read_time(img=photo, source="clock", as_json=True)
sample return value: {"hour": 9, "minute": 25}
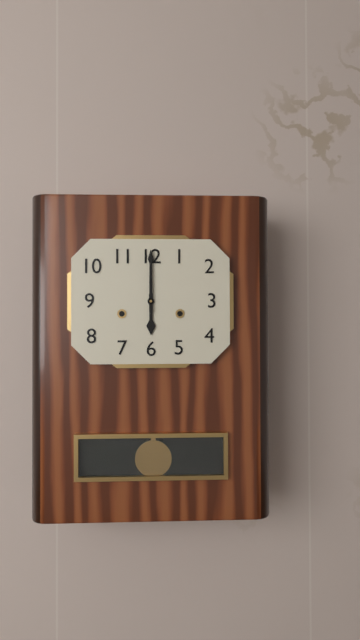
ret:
{"hour": 6, "minute": 0}
